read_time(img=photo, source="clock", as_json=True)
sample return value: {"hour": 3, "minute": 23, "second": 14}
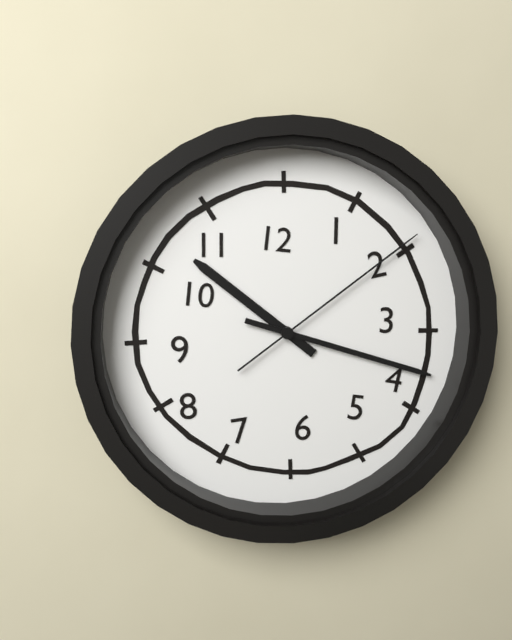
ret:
{"hour": 10, "minute": 18, "second": 9}
